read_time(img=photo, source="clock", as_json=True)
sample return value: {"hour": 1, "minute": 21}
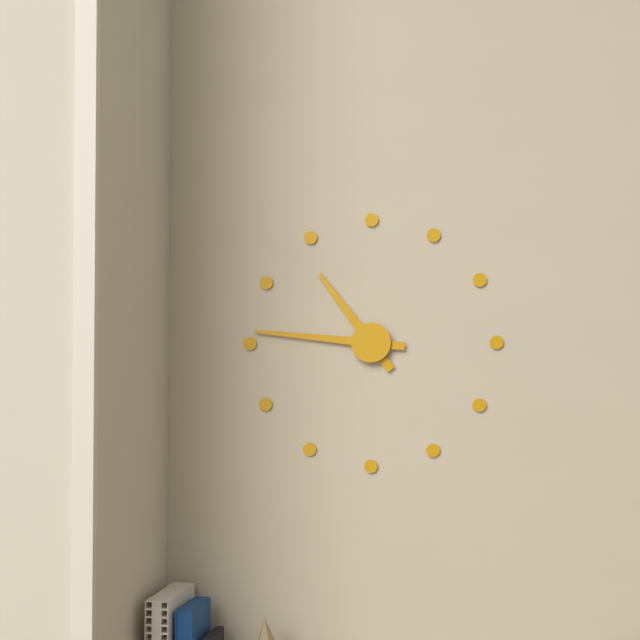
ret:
{"hour": 10, "minute": 46}
